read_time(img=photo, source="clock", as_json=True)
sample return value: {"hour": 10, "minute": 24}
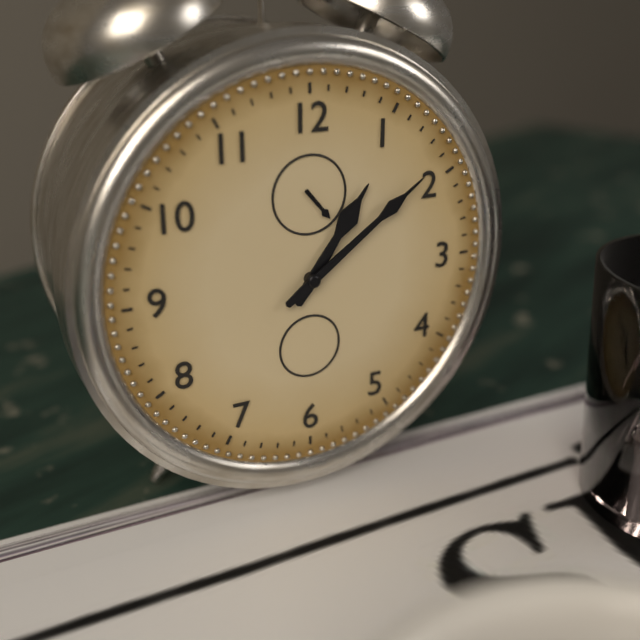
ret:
{"hour": 1, "minute": 9}
